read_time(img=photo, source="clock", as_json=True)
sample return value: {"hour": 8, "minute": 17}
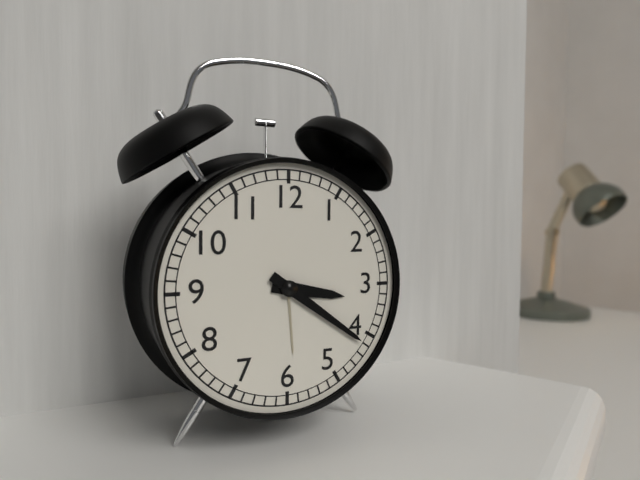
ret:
{"hour": 3, "minute": 21}
